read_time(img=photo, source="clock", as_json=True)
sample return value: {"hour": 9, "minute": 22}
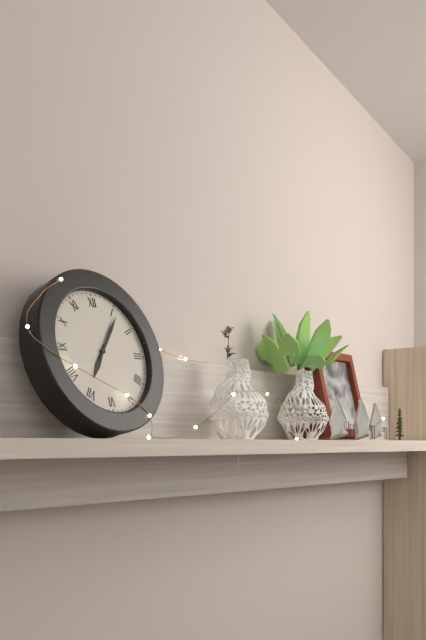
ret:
{"hour": 7, "minute": 6}
